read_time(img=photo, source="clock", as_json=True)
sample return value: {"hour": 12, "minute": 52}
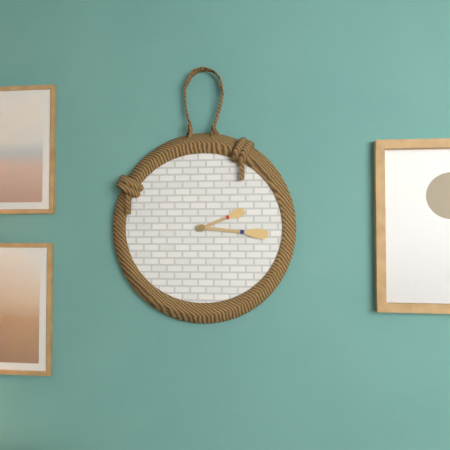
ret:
{"hour": 2, "minute": 16}
